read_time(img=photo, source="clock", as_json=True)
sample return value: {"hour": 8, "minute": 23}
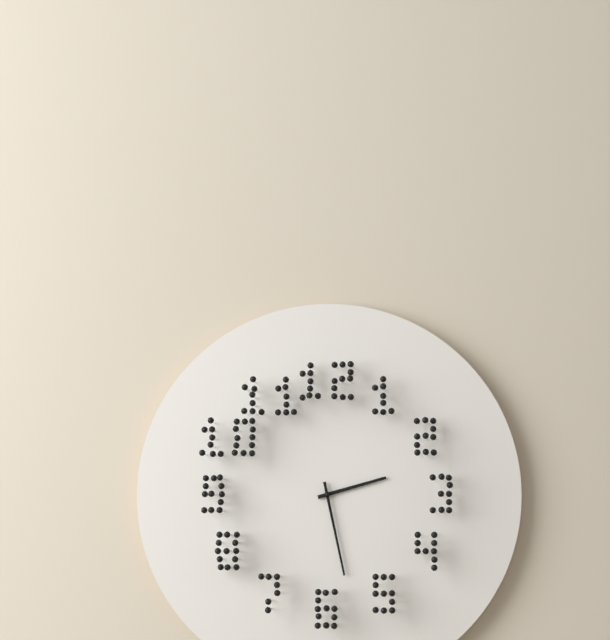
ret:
{"hour": 2, "minute": 28}
